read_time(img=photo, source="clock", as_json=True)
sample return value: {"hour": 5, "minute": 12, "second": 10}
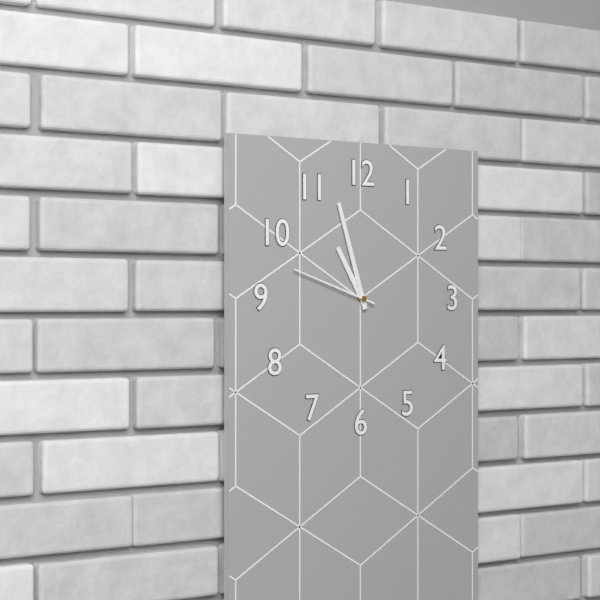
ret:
{"hour": 10, "minute": 57, "second": 48}
